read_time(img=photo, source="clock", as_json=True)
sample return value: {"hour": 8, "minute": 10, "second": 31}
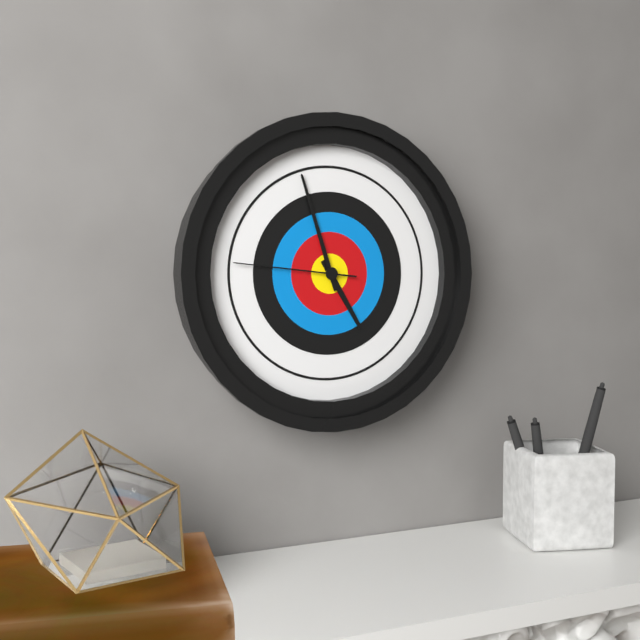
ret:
{"hour": 4, "minute": 57, "second": 46}
